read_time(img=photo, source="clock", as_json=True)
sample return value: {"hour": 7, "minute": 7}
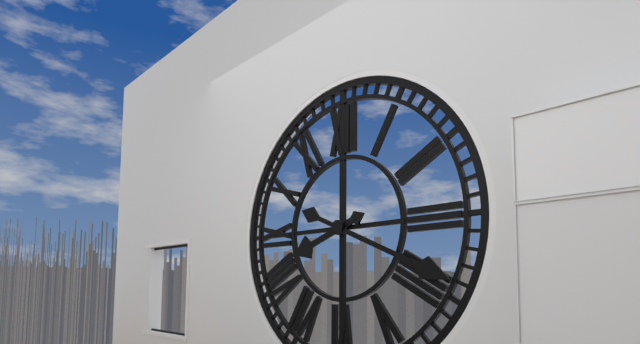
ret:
{"hour": 8, "minute": 19}
